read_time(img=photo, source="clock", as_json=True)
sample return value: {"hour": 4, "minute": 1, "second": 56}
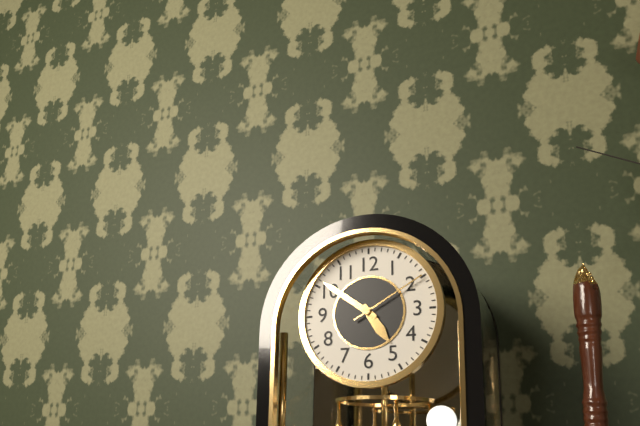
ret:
{"hour": 4, "minute": 51, "second": 10}
